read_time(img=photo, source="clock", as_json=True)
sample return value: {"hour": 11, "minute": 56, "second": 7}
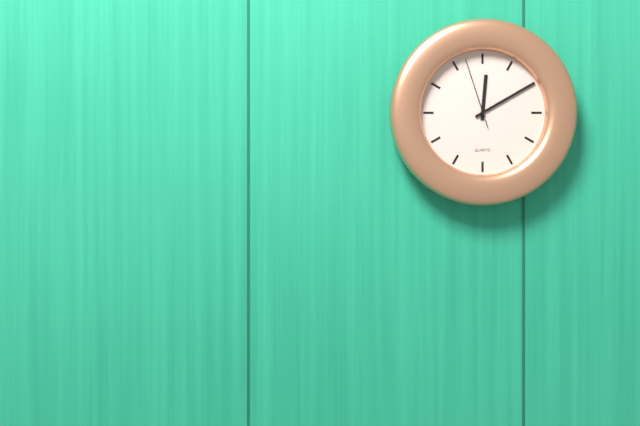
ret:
{"hour": 12, "minute": 10, "second": 57}
